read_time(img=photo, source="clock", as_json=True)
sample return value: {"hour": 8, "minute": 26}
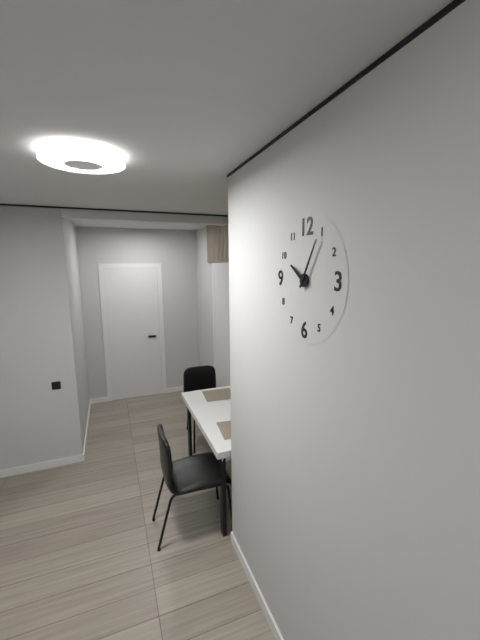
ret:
{"hour": 10, "minute": 5}
